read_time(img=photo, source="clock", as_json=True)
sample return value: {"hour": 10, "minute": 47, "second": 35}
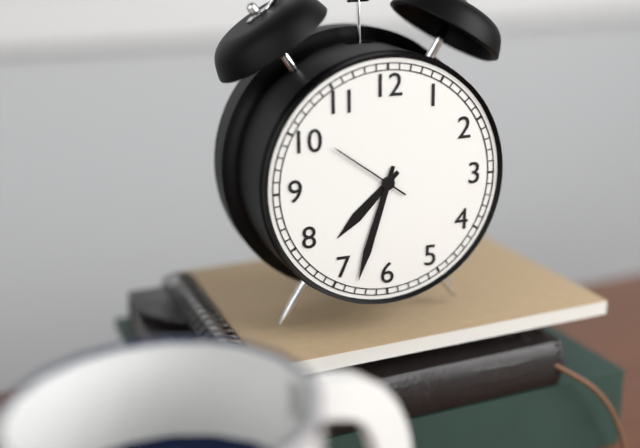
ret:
{"hour": 7, "minute": 33, "second": 51}
